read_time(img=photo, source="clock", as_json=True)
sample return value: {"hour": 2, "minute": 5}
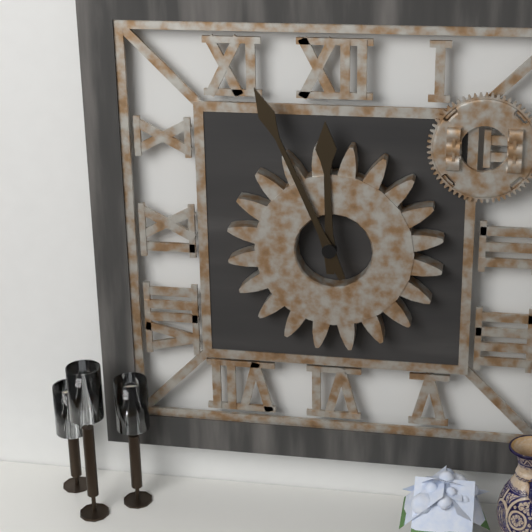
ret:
{"hour": 11, "minute": 56}
